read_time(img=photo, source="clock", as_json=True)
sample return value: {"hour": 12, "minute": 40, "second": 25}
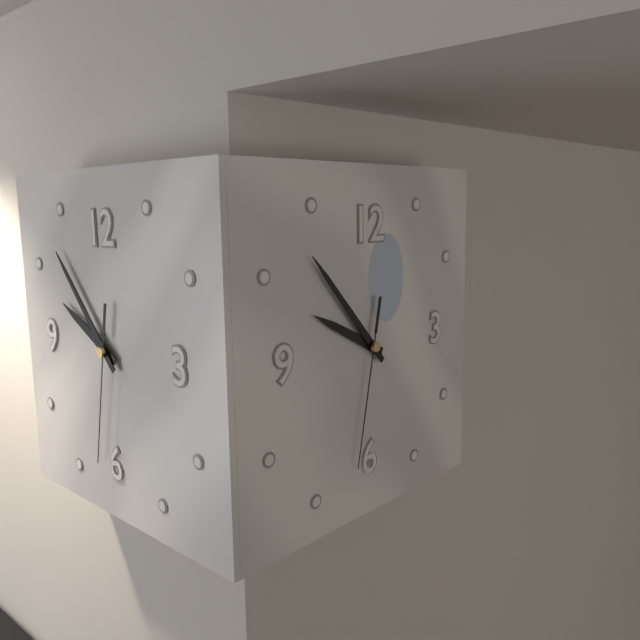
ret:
{"hour": 9, "minute": 53, "second": 32}
